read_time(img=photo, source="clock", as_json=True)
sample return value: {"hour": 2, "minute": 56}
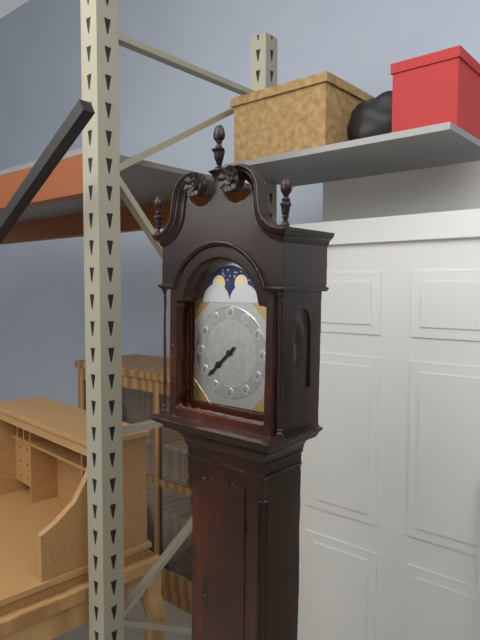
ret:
{"hour": 7, "minute": 38}
